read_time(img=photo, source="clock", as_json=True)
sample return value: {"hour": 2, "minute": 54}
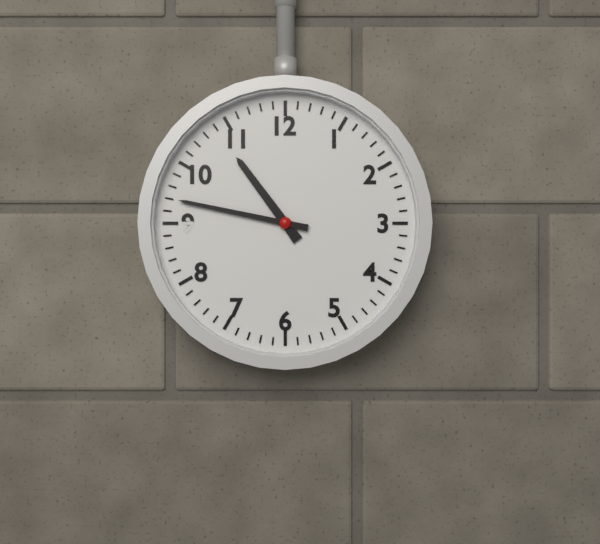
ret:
{"hour": 10, "minute": 47}
